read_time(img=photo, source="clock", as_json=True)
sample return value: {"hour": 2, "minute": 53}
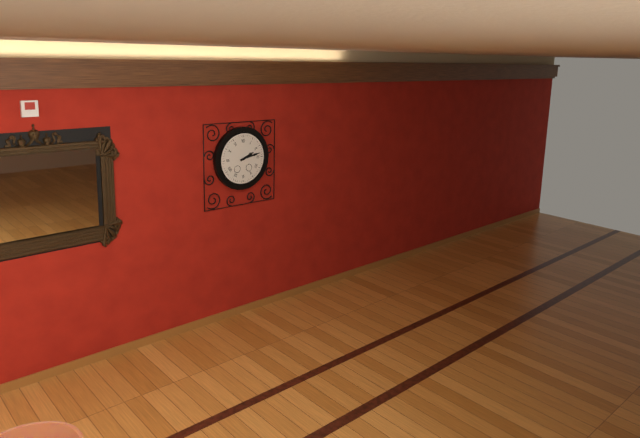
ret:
{"hour": 2, "minute": 13}
